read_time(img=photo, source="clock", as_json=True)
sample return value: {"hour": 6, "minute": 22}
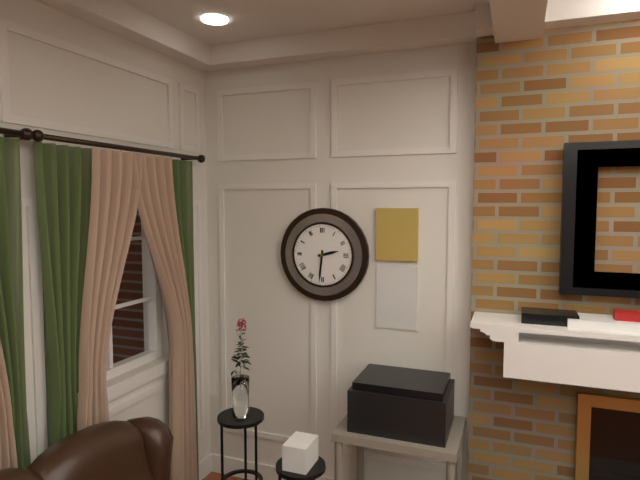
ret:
{"hour": 2, "minute": 31}
